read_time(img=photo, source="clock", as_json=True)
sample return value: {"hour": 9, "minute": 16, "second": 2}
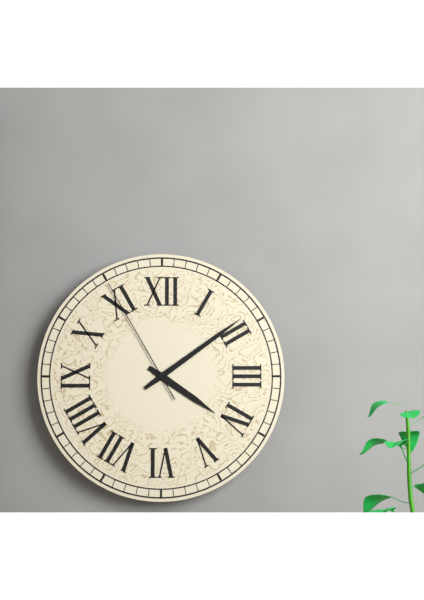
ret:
{"hour": 4, "minute": 9, "second": 55}
